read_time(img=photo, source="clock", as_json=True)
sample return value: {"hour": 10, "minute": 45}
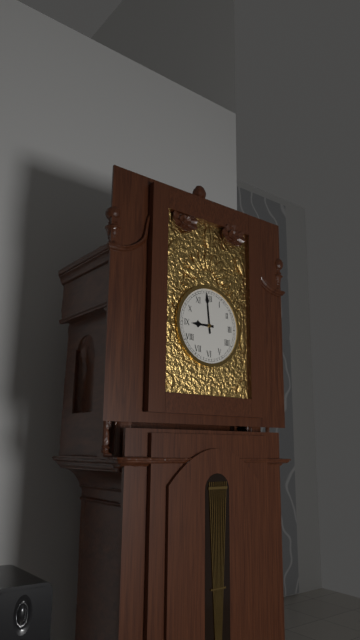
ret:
{"hour": 8, "minute": 59}
